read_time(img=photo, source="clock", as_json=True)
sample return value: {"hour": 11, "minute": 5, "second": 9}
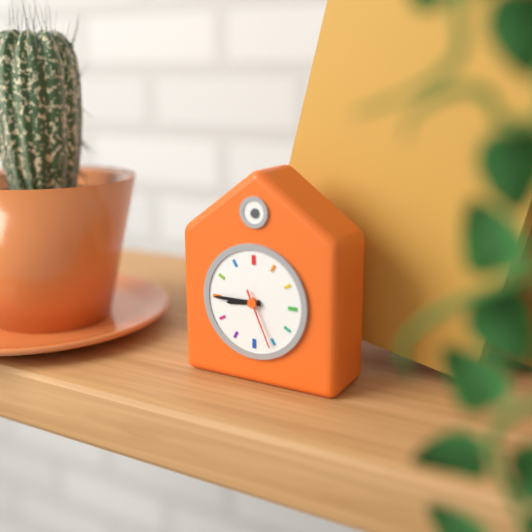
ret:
{"hour": 8, "minute": 45, "second": 26}
